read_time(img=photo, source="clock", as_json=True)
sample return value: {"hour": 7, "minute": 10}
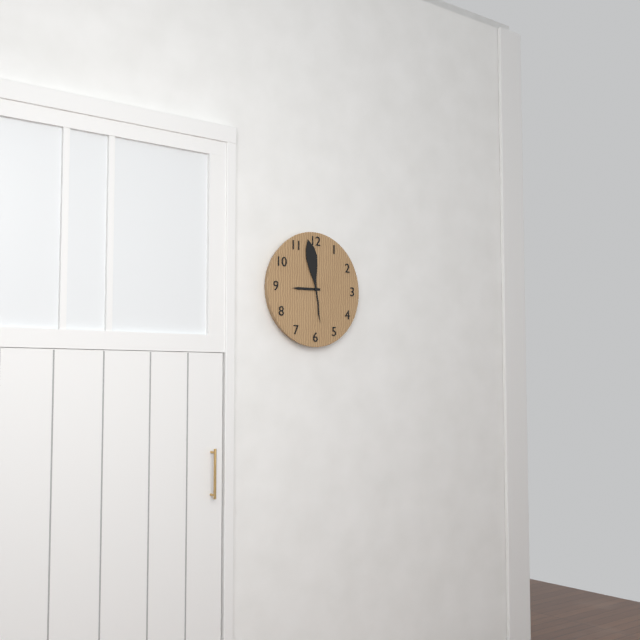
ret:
{"hour": 8, "minute": 58}
